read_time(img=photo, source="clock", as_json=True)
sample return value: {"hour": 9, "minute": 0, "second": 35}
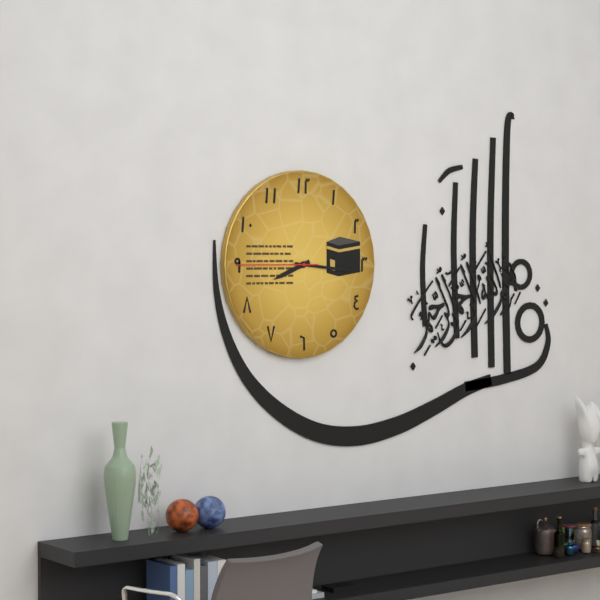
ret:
{"hour": 8, "minute": 16, "second": 45}
